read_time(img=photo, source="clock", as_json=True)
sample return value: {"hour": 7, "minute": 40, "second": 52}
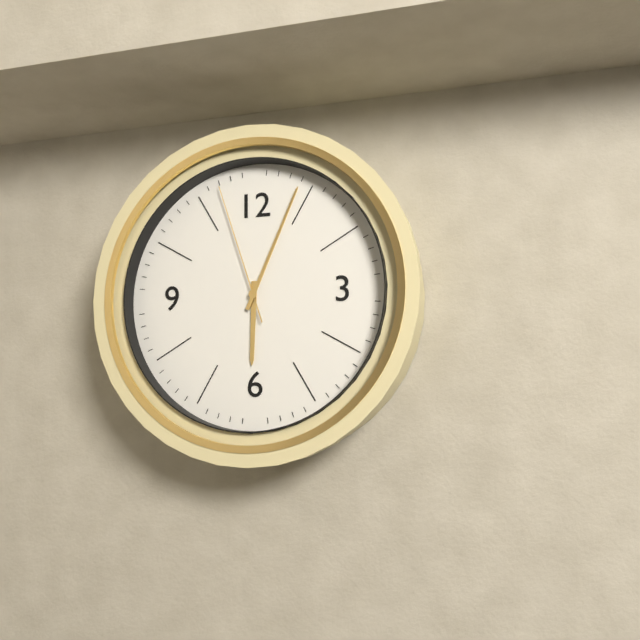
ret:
{"hour": 6, "minute": 4, "second": 57}
